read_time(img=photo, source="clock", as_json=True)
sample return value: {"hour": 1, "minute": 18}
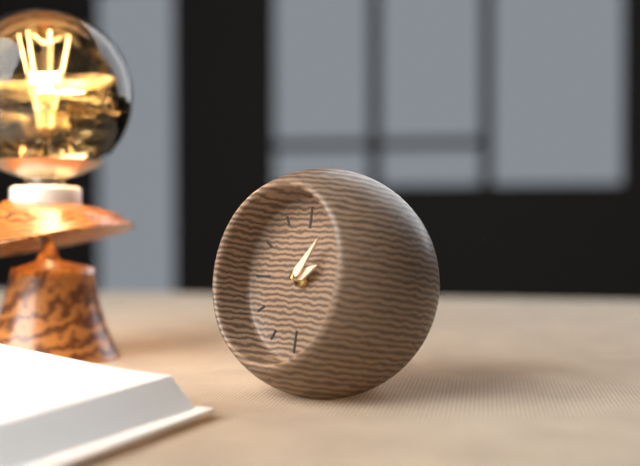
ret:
{"hour": 2, "minute": 6}
